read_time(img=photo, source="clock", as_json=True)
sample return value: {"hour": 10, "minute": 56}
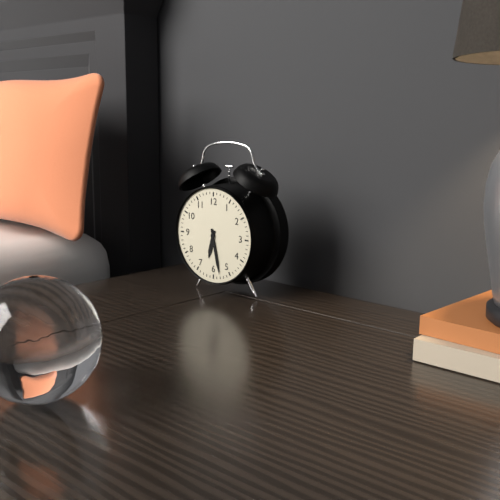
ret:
{"hour": 6, "minute": 28}
